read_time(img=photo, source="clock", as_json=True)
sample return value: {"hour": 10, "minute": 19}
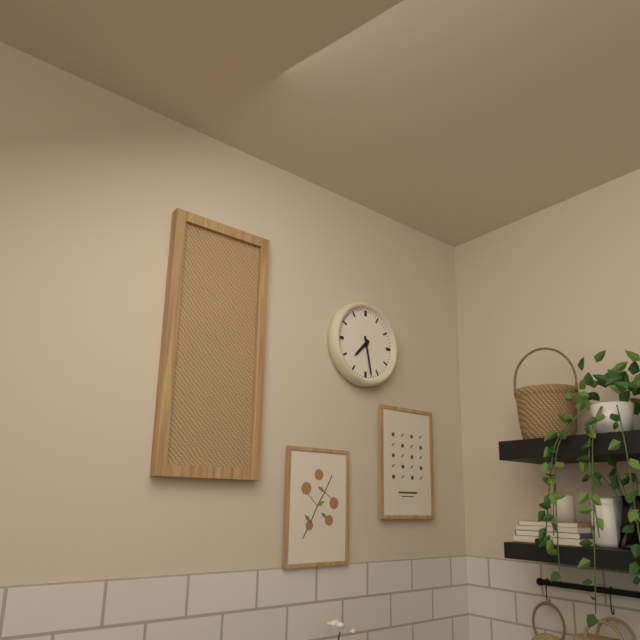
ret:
{"hour": 7, "minute": 28}
